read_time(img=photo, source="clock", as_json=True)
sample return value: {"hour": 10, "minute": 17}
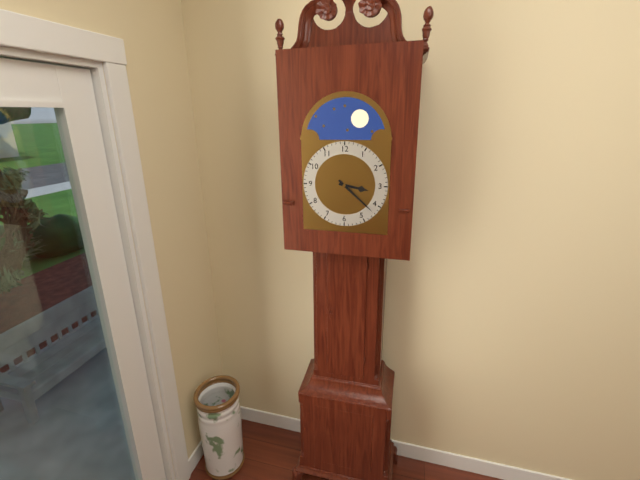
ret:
{"hour": 3, "minute": 22}
